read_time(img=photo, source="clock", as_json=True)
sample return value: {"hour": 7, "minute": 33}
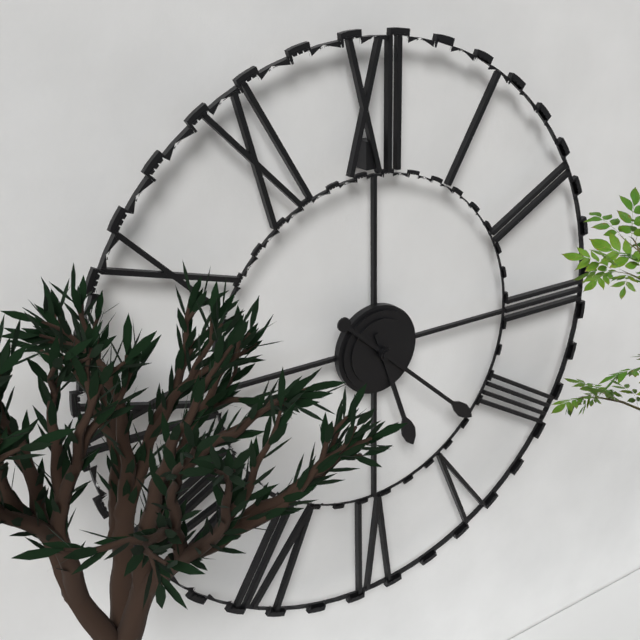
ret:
{"hour": 5, "minute": 22}
